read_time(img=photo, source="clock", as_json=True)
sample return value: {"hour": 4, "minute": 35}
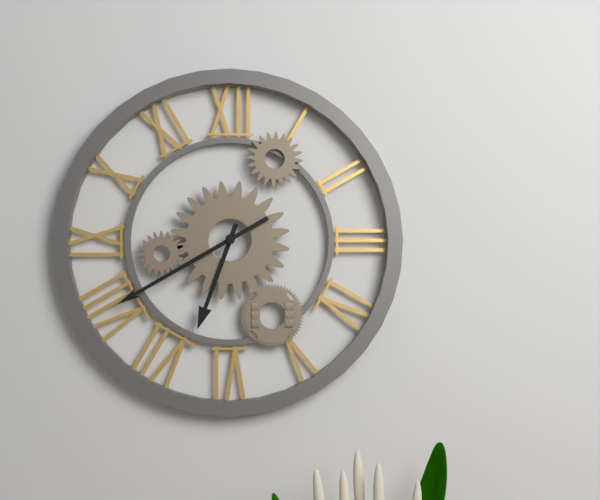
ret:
{"hour": 6, "minute": 40}
